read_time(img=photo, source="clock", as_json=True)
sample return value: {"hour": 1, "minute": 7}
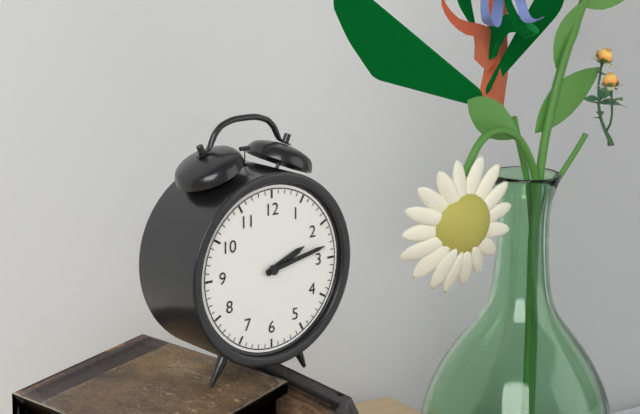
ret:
{"hour": 2, "minute": 13}
